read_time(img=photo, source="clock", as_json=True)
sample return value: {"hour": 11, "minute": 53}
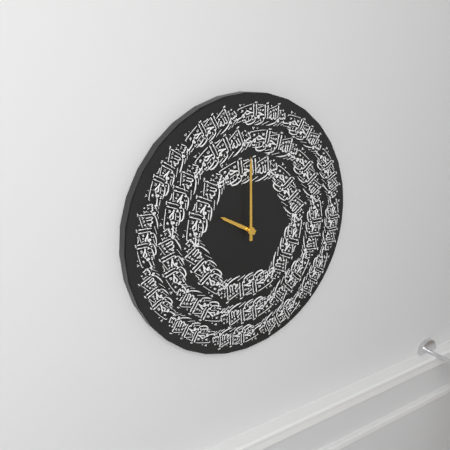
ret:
{"hour": 10, "minute": 0}
